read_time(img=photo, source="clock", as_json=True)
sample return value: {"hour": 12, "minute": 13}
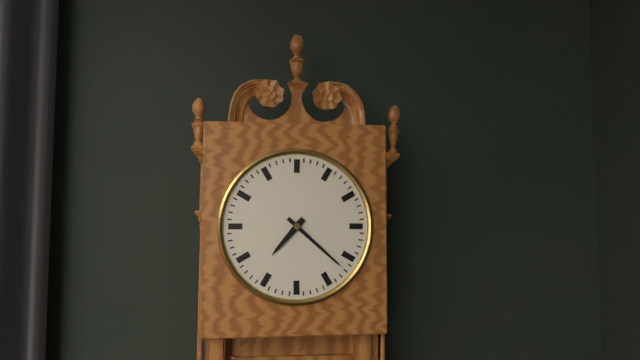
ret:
{"hour": 7, "minute": 22}
